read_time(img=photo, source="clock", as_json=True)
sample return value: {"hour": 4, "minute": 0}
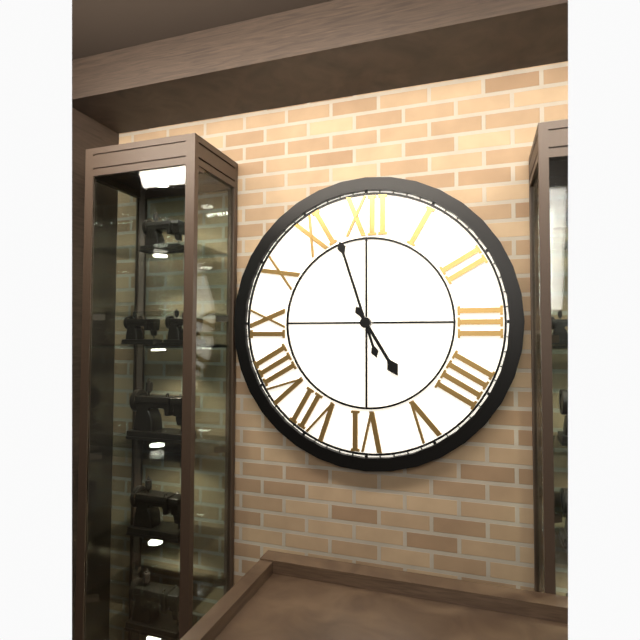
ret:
{"hour": 4, "minute": 57}
